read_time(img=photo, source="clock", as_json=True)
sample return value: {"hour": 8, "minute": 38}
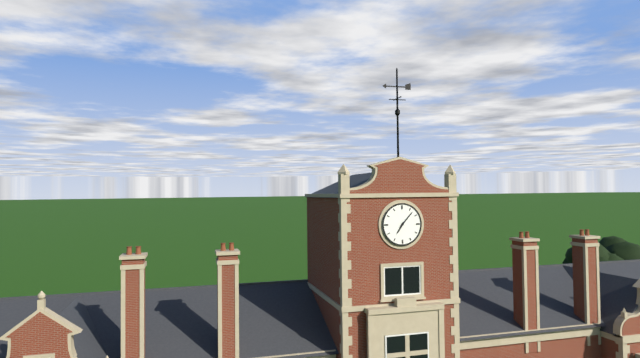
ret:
{"hour": 7, "minute": 7}
